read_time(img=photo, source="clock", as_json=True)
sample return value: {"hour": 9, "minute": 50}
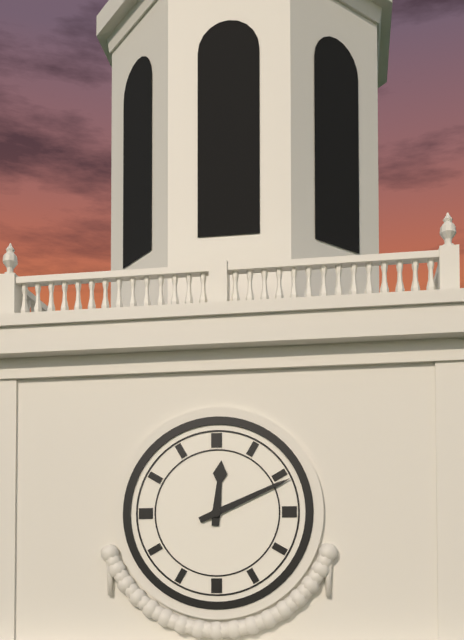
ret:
{"hour": 12, "minute": 11}
